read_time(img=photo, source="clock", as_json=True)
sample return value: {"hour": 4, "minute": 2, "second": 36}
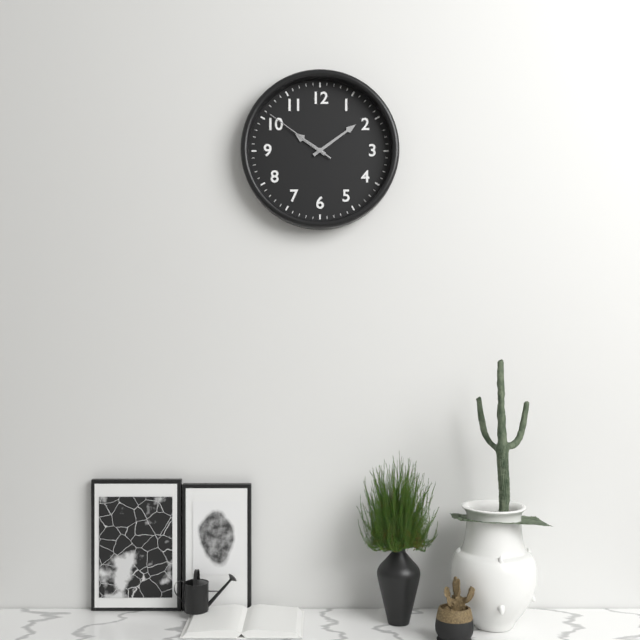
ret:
{"hour": 10, "minute": 9, "second": 51}
